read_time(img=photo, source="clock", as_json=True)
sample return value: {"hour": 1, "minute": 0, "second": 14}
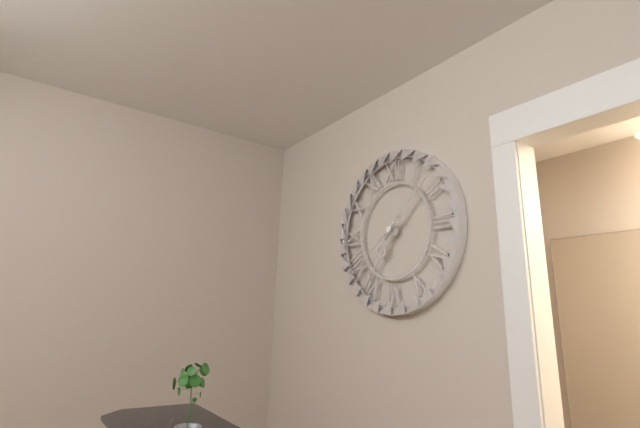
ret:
{"hour": 7, "minute": 8, "second": 39}
